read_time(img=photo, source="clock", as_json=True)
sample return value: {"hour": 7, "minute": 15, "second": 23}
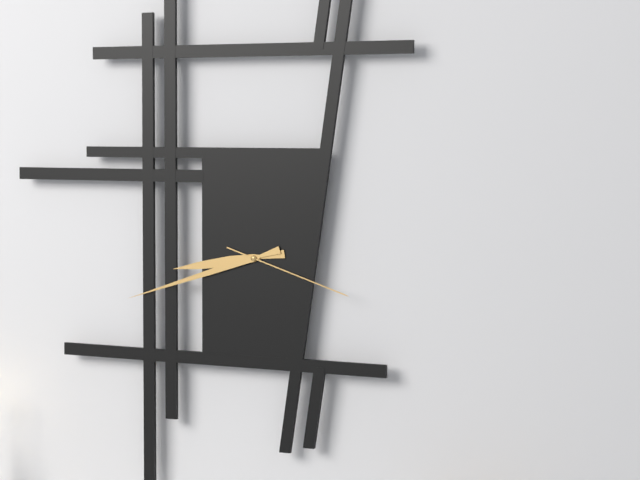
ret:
{"hour": 8, "minute": 42, "second": 18}
